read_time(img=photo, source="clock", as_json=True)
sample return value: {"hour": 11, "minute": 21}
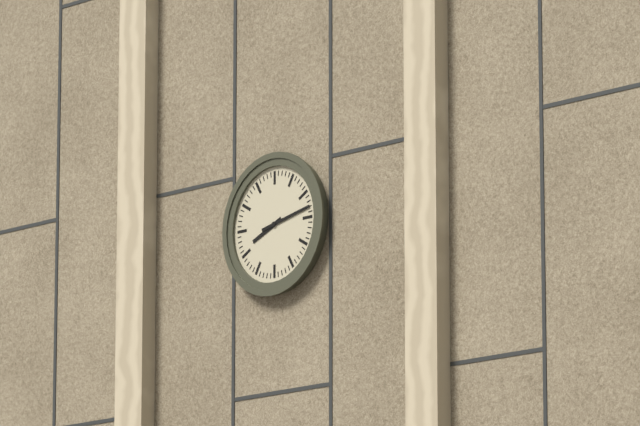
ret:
{"hour": 8, "minute": 13}
